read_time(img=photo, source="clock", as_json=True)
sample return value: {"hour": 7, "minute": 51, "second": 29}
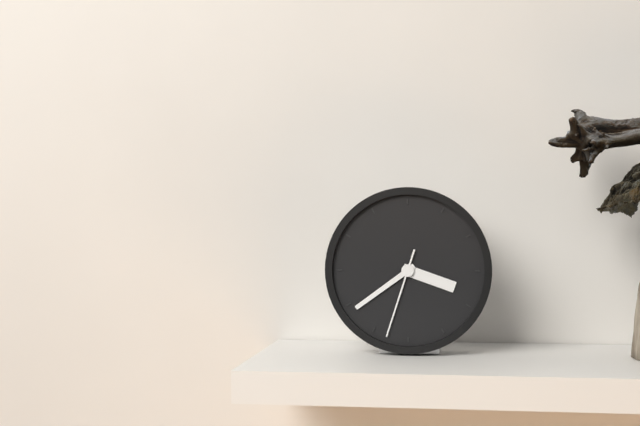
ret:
{"hour": 3, "minute": 39, "second": 33}
